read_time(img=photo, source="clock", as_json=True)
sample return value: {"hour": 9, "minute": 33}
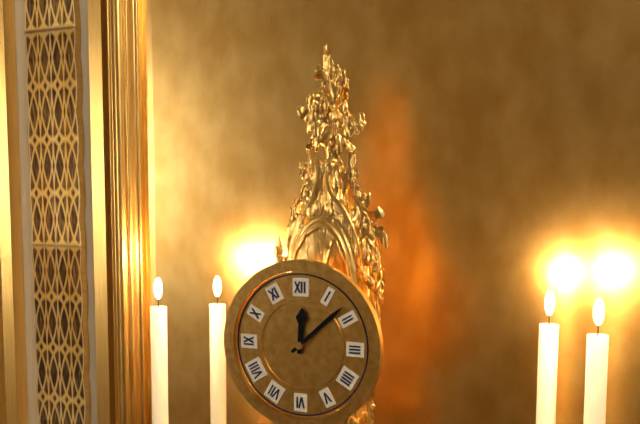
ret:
{"hour": 12, "minute": 8}
